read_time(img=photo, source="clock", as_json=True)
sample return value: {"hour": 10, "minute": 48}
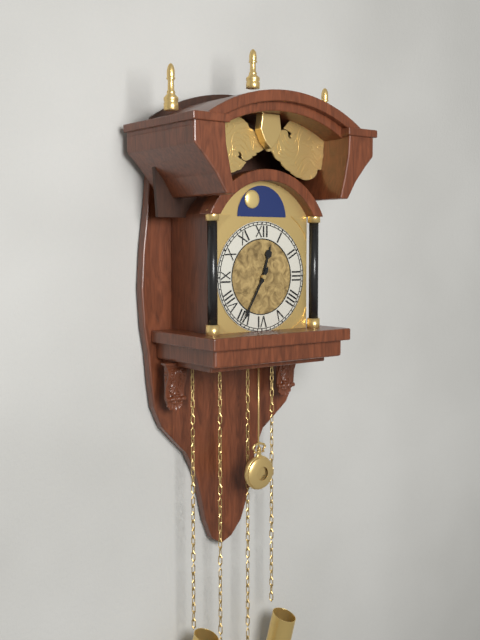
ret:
{"hour": 12, "minute": 35}
